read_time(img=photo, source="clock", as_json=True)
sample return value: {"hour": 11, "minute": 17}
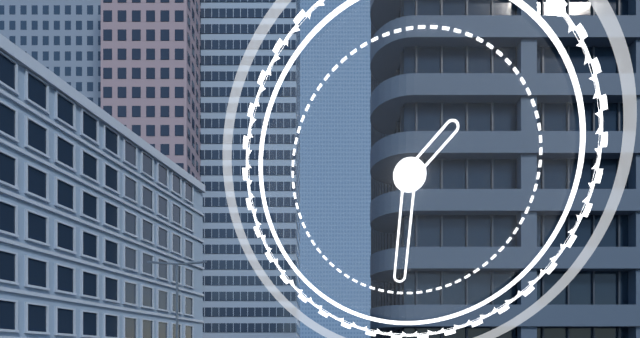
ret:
{"hour": 1, "minute": 31}
